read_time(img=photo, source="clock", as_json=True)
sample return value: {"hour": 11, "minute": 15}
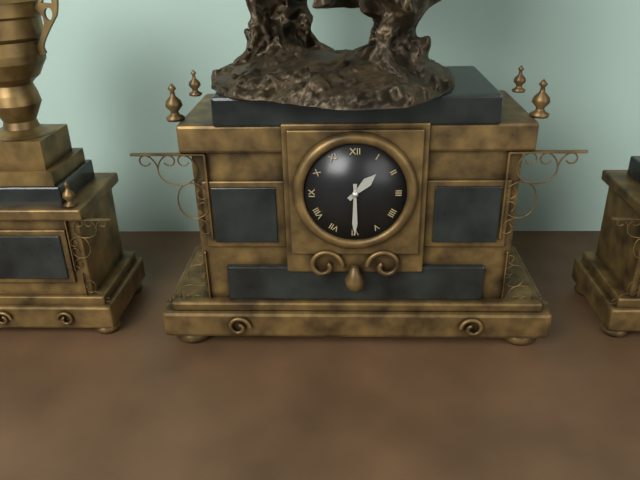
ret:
{"hour": 1, "minute": 30}
